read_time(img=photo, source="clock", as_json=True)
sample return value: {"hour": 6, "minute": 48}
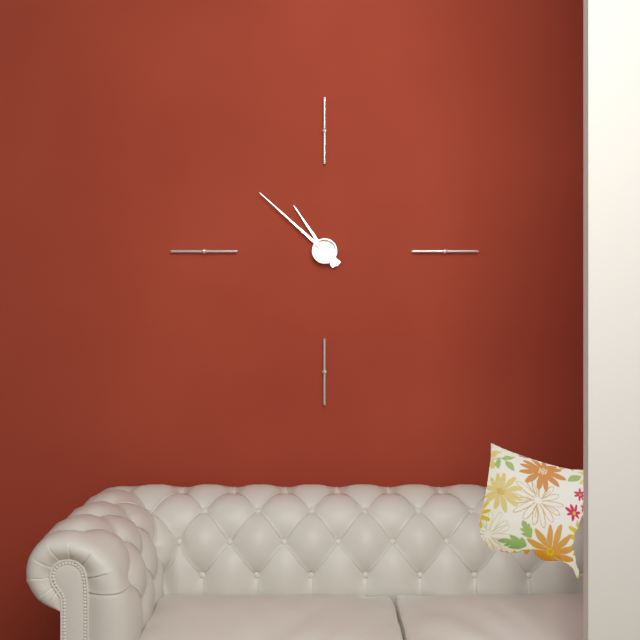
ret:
{"hour": 10, "minute": 52}
